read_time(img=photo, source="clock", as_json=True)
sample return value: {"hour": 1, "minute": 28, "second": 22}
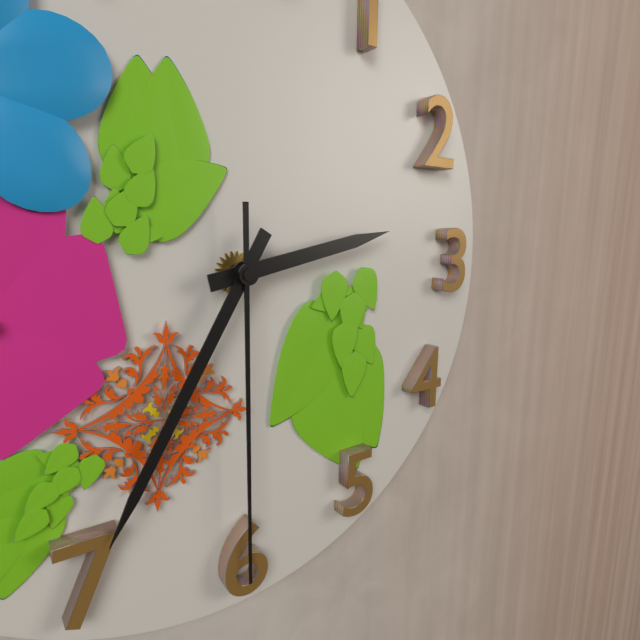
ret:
{"hour": 2, "minute": 35, "second": 30}
